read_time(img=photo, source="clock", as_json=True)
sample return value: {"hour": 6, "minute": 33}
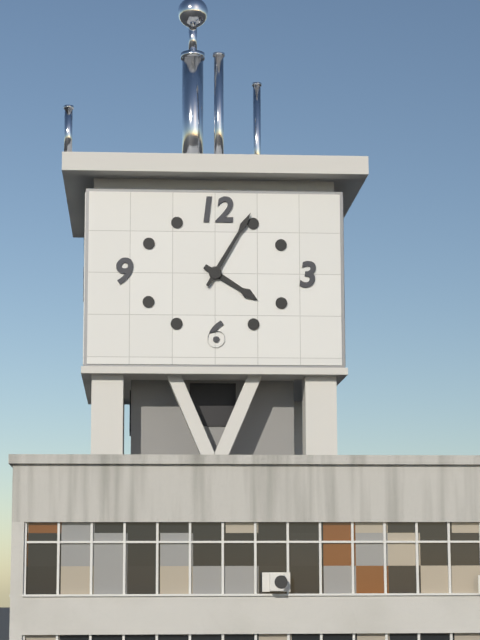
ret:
{"hour": 4, "minute": 5}
